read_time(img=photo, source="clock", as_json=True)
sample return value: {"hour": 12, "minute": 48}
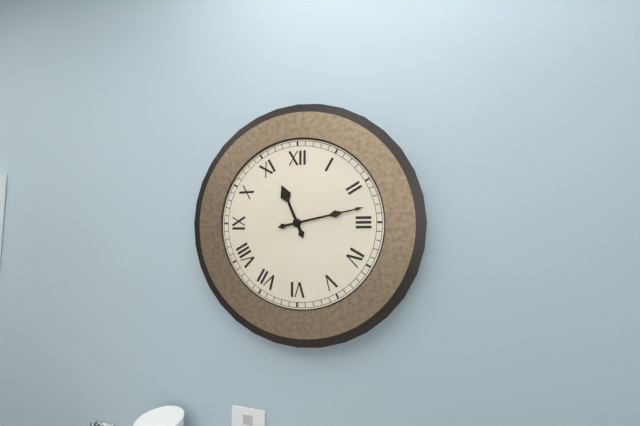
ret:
{"hour": 11, "minute": 13}
